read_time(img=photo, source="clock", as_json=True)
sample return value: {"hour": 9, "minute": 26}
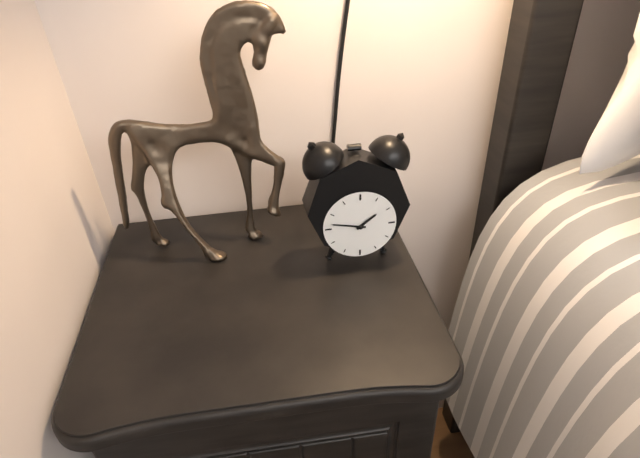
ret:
{"hour": 1, "minute": 47}
